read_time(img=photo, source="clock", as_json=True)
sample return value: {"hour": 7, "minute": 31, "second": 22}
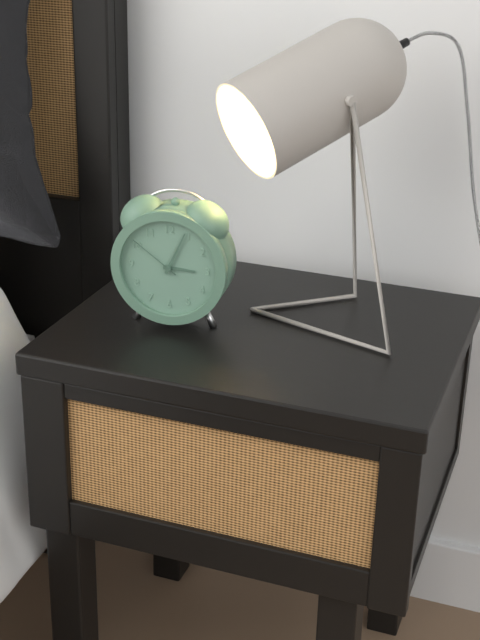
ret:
{"hour": 3, "minute": 4, "second": 51}
